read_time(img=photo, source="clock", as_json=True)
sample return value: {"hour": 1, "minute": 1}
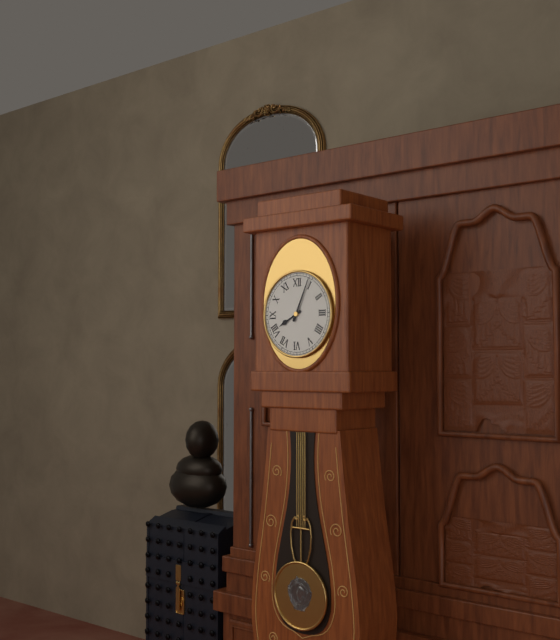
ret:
{"hour": 8, "minute": 4}
